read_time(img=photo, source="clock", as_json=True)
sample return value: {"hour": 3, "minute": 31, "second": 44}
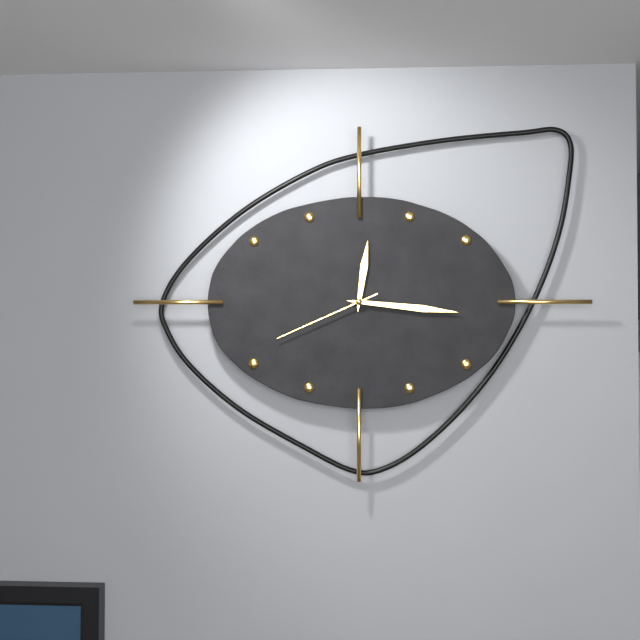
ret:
{"hour": 12, "minute": 16, "second": 41}
